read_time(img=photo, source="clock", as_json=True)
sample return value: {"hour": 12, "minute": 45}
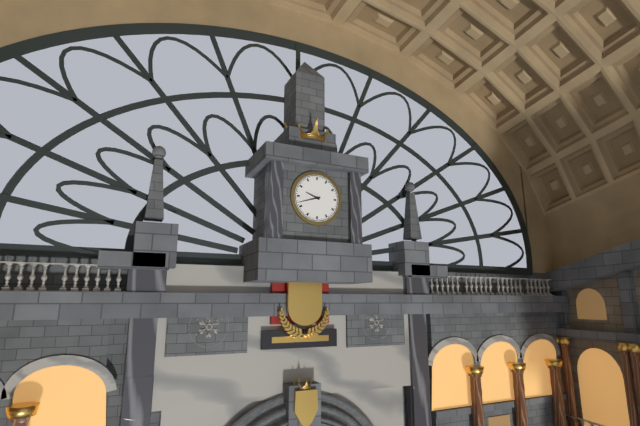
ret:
{"hour": 9, "minute": 42}
